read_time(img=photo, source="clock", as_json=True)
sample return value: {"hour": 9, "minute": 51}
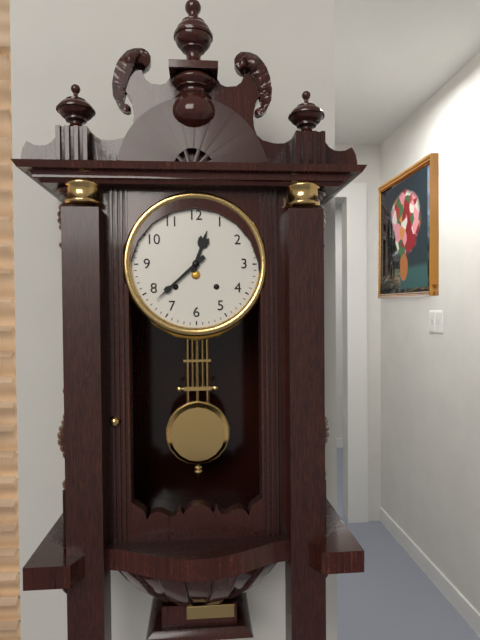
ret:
{"hour": 12, "minute": 38}
